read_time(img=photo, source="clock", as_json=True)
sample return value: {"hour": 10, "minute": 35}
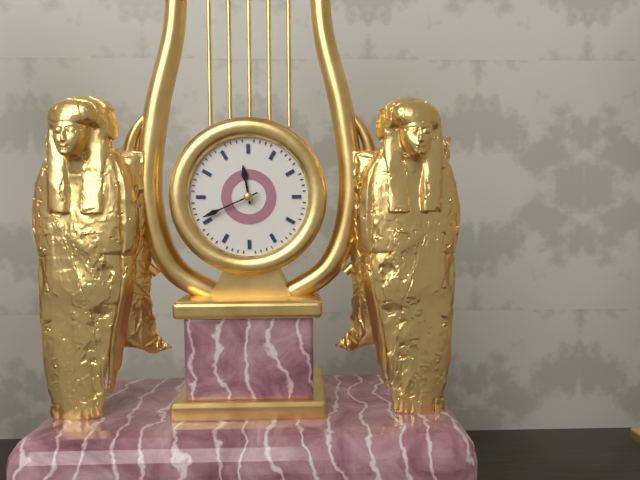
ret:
{"hour": 11, "minute": 41}
